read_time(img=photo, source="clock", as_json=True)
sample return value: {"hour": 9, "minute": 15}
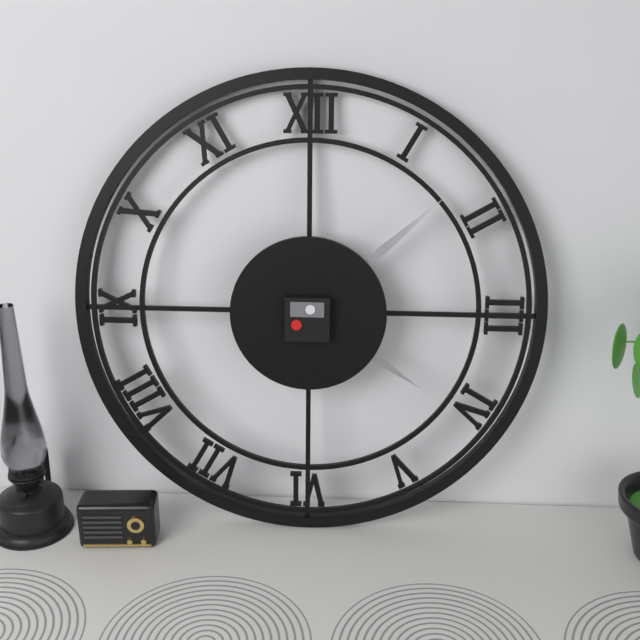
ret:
{"hour": 4, "minute": 8}
